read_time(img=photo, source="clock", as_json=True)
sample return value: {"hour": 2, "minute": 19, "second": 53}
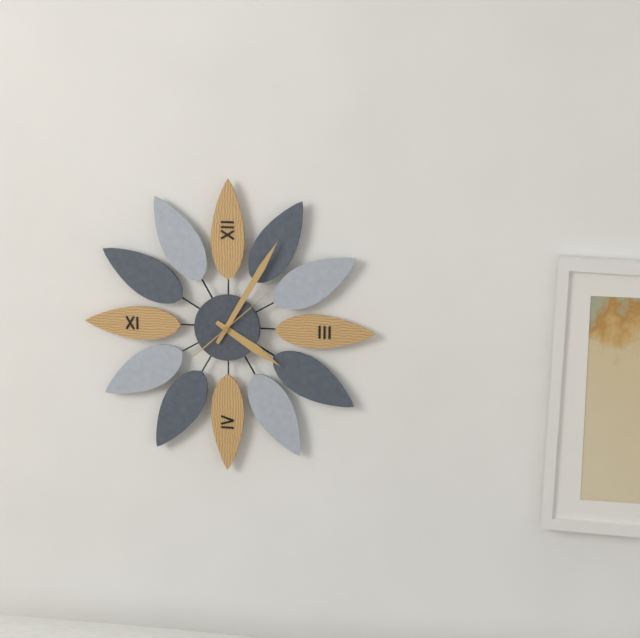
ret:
{"hour": 4, "minute": 5, "second": 8}
